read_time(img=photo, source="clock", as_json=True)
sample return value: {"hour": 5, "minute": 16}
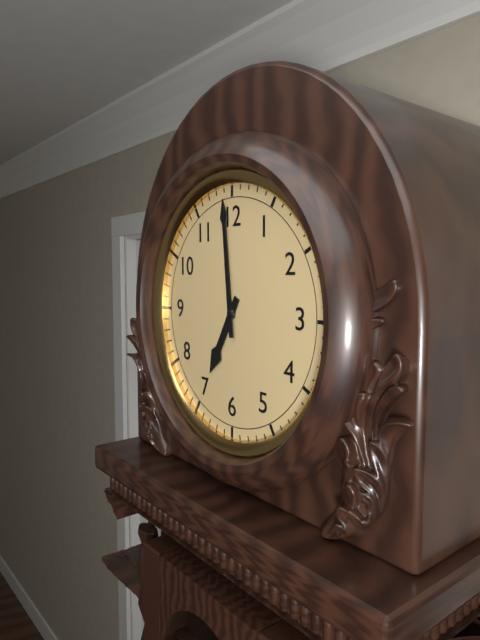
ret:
{"hour": 6, "minute": 59}
